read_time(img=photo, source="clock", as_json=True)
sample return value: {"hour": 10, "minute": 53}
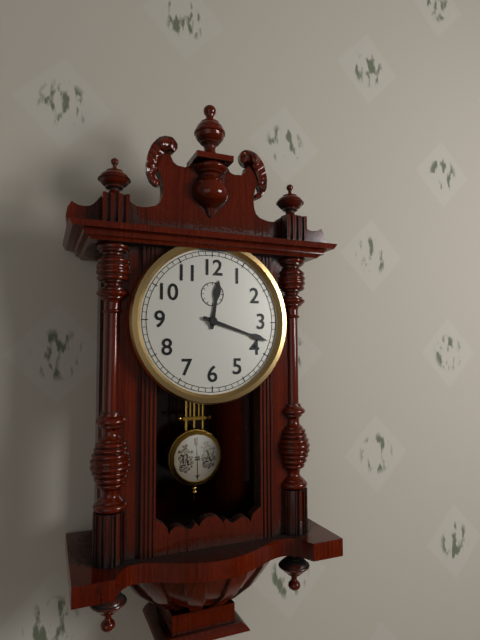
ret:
{"hour": 12, "minute": 18}
